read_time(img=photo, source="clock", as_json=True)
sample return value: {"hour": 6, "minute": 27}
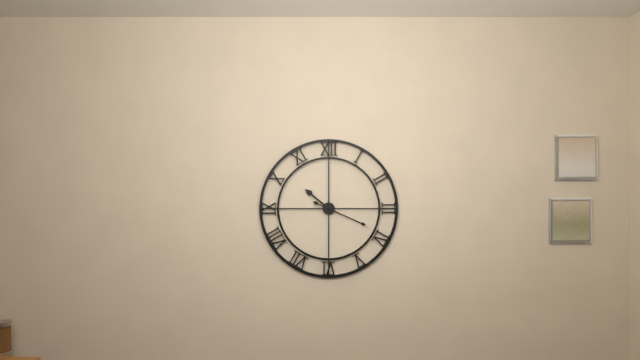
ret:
{"hour": 10, "minute": 19}
